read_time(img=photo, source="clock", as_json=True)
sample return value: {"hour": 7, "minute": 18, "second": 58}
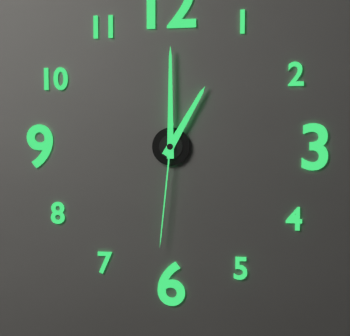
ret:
{"hour": 1, "minute": 0, "second": 31}
